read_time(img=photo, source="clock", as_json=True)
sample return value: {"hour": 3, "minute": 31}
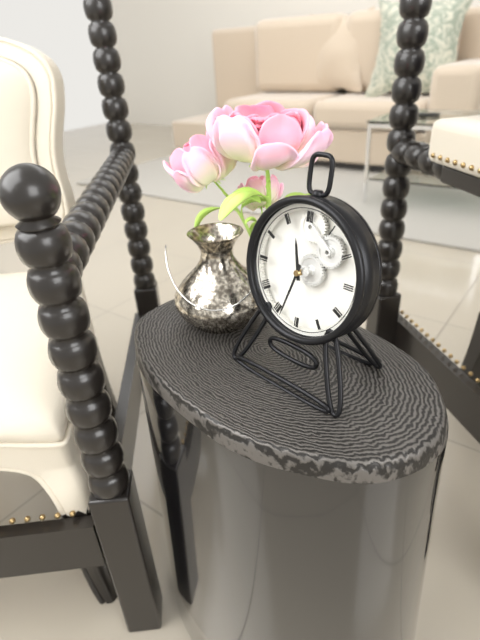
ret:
{"hour": 11, "minute": 33}
